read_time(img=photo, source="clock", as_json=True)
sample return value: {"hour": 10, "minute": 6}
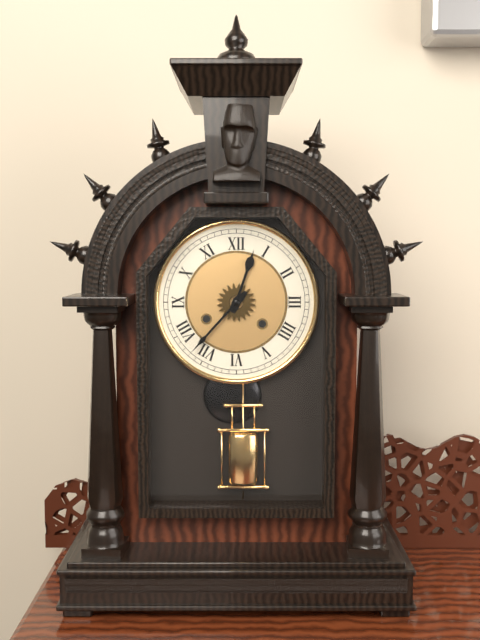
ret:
{"hour": 12, "minute": 37}
